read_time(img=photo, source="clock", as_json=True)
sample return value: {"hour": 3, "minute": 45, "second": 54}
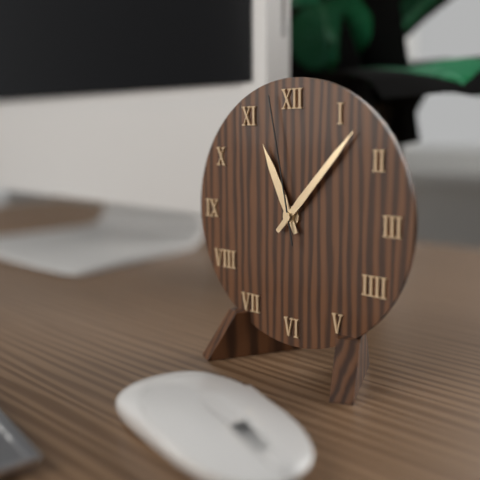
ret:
{"hour": 11, "minute": 7, "second": 58}
